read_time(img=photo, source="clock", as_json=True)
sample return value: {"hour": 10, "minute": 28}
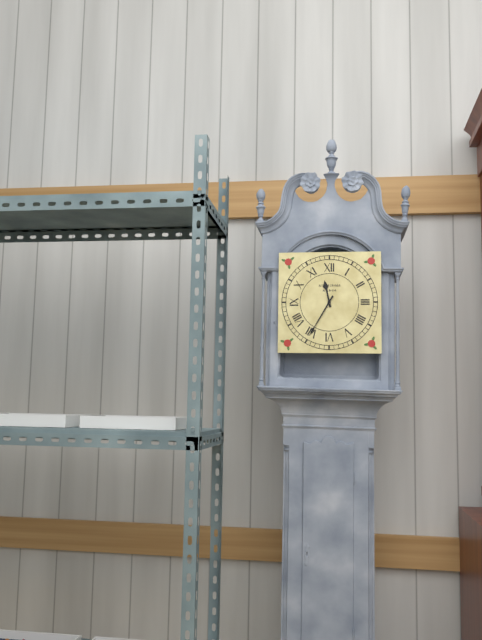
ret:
{"hour": 11, "minute": 35}
